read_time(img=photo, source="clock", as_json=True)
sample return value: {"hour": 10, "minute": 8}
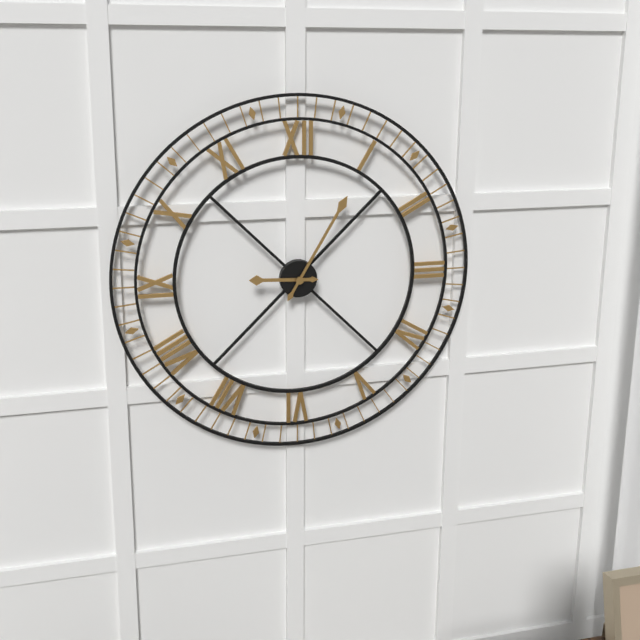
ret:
{"hour": 9, "minute": 5}
